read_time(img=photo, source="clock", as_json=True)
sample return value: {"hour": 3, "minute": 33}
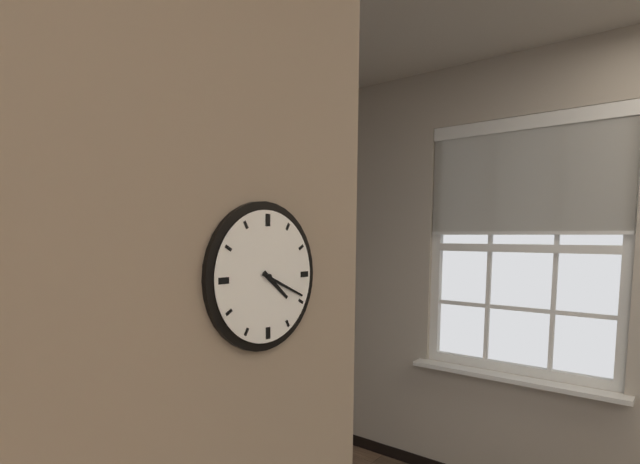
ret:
{"hour": 4, "minute": 19}
